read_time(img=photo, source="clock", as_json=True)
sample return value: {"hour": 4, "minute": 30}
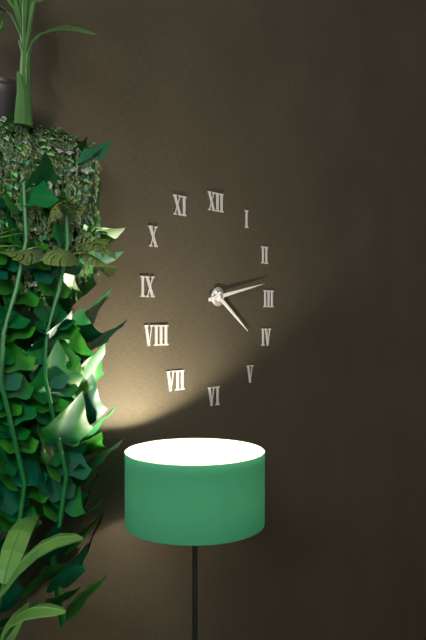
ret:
{"hour": 4, "minute": 13}
